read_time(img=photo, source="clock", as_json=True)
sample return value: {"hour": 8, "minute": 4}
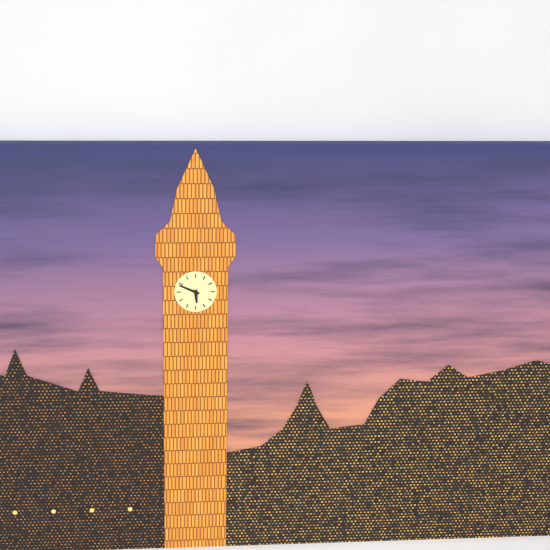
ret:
{"hour": 5, "minute": 49}
